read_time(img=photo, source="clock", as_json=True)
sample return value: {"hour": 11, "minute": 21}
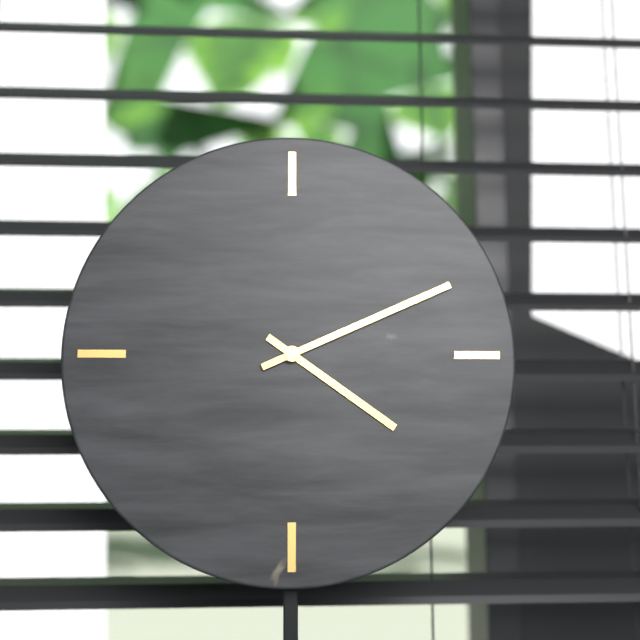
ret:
{"hour": 4, "minute": 11}
